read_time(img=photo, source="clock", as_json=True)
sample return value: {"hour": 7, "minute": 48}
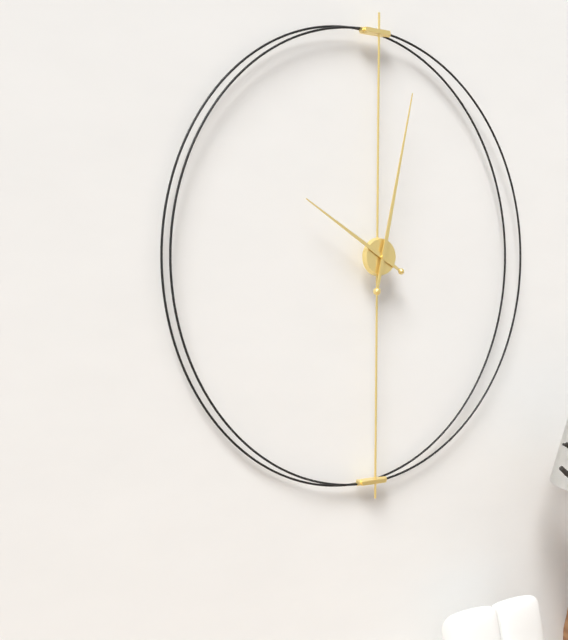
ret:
{"hour": 10, "minute": 2}
